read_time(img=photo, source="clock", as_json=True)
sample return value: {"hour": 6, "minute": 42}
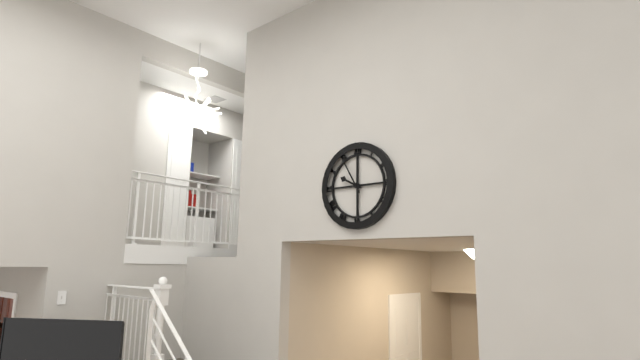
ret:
{"hour": 9, "minute": 55}
